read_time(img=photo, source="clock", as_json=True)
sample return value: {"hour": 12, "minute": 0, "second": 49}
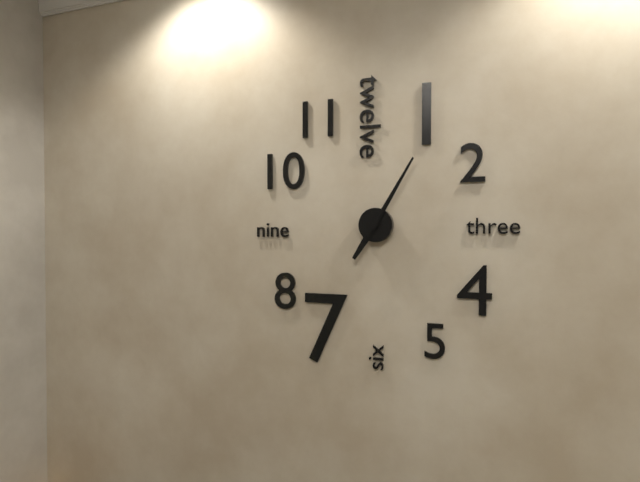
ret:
{"hour": 7, "minute": 5, "second": 5}
